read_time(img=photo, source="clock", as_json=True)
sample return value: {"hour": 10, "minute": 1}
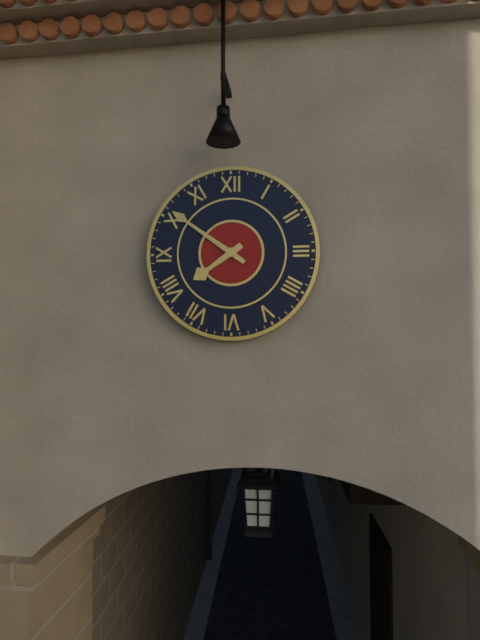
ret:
{"hour": 7, "minute": 51}
